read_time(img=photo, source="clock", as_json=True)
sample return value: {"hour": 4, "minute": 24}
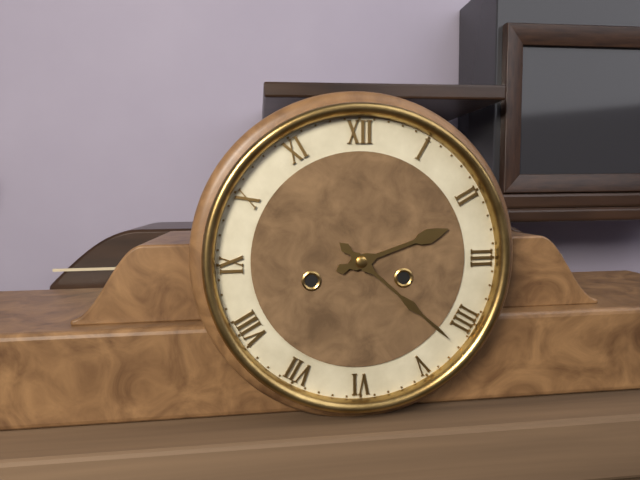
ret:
{"hour": 2, "minute": 22}
